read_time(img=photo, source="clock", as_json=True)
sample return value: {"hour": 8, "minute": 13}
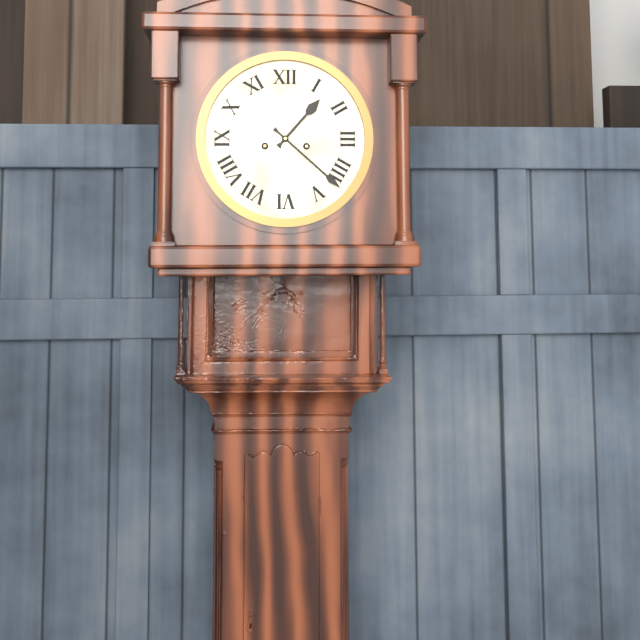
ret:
{"hour": 1, "minute": 22}
